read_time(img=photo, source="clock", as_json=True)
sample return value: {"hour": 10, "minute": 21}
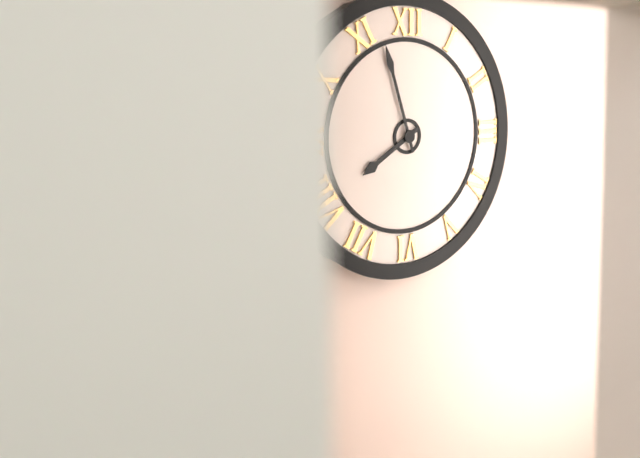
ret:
{"hour": 7, "minute": 57}
